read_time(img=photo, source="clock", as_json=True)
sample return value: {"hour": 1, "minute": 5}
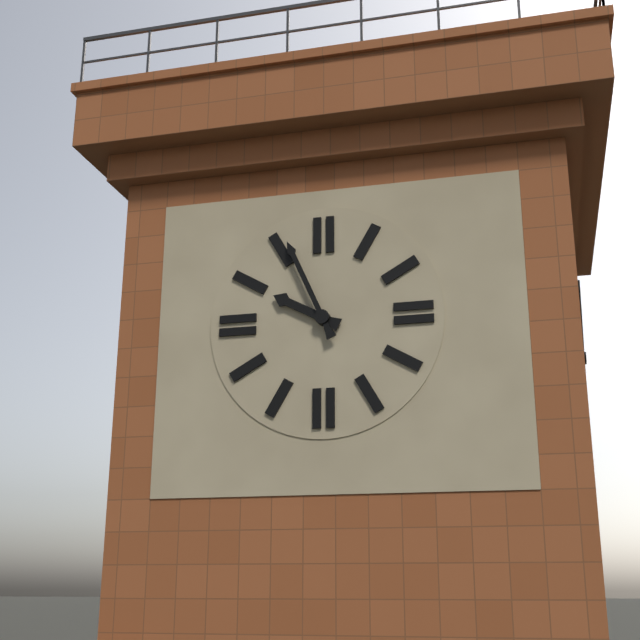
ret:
{"hour": 9, "minute": 56}
